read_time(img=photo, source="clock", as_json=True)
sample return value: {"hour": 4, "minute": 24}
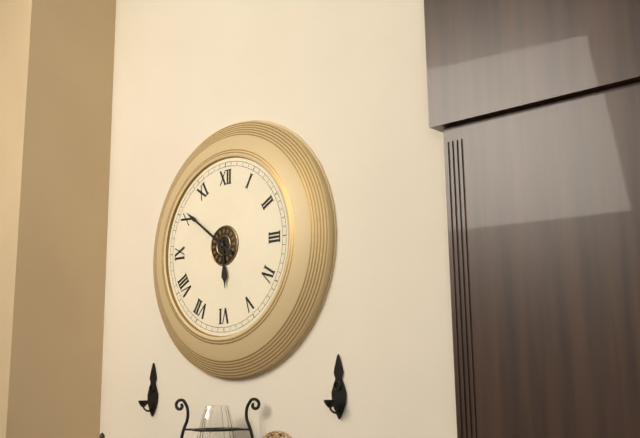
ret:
{"hour": 5, "minute": 51}
